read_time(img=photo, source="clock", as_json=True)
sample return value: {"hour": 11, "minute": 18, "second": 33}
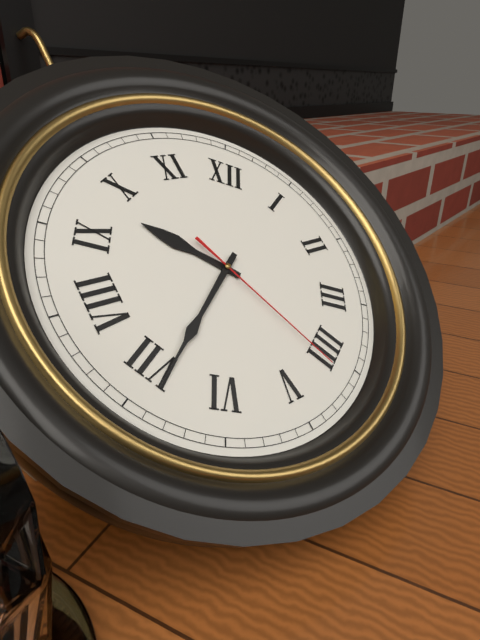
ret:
{"hour": 9, "minute": 34, "second": 21}
